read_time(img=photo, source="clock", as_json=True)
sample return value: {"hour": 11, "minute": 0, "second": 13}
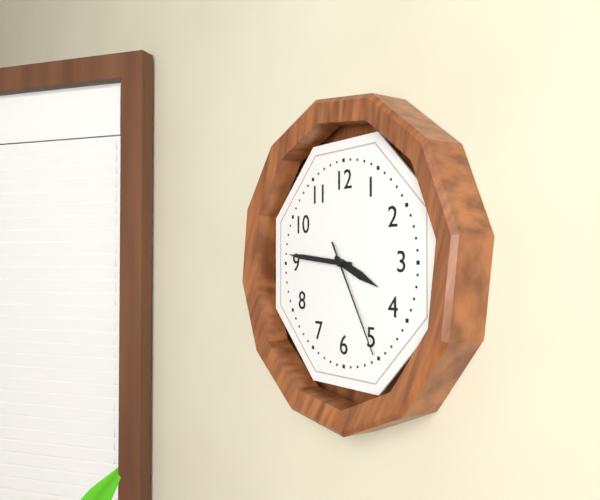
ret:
{"hour": 3, "minute": 46, "second": 25}
